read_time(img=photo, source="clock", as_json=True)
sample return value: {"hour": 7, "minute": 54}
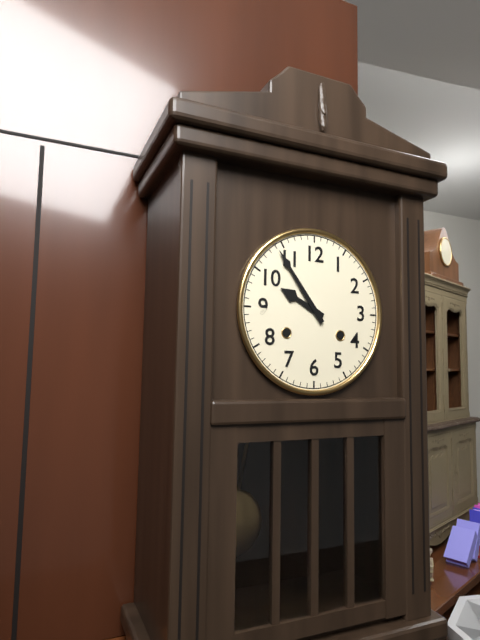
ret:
{"hour": 9, "minute": 54}
